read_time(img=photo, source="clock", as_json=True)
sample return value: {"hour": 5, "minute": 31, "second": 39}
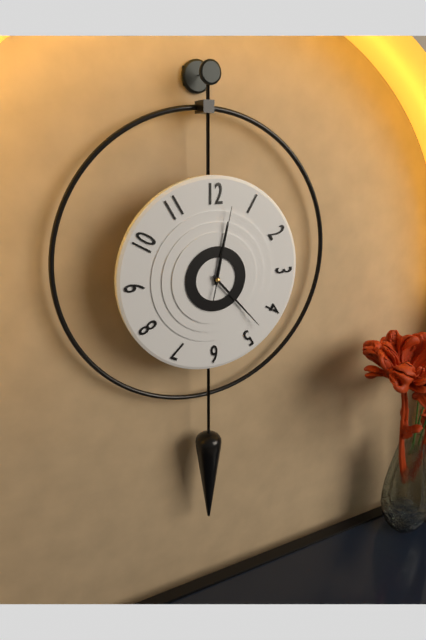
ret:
{"hour": 12, "minute": 23, "second": 2}
